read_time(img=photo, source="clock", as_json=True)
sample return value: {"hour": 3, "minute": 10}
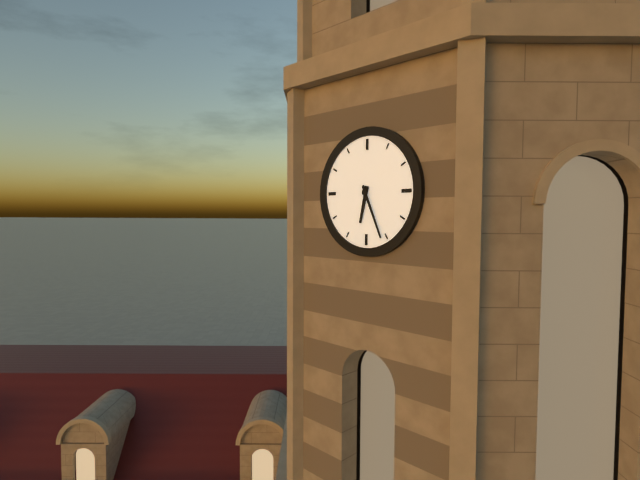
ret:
{"hour": 6, "minute": 26}
